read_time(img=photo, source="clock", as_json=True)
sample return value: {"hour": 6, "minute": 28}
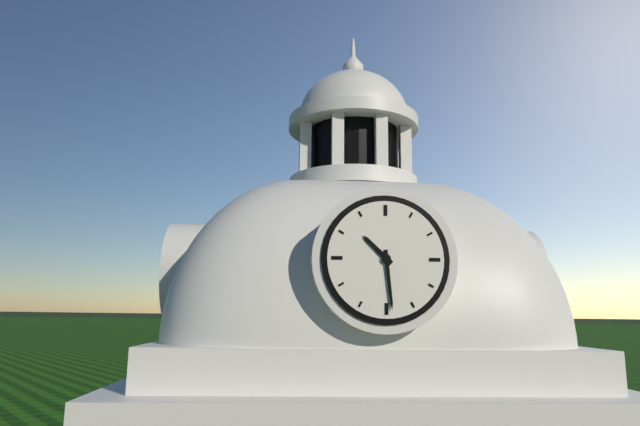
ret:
{"hour": 10, "minute": 29}
